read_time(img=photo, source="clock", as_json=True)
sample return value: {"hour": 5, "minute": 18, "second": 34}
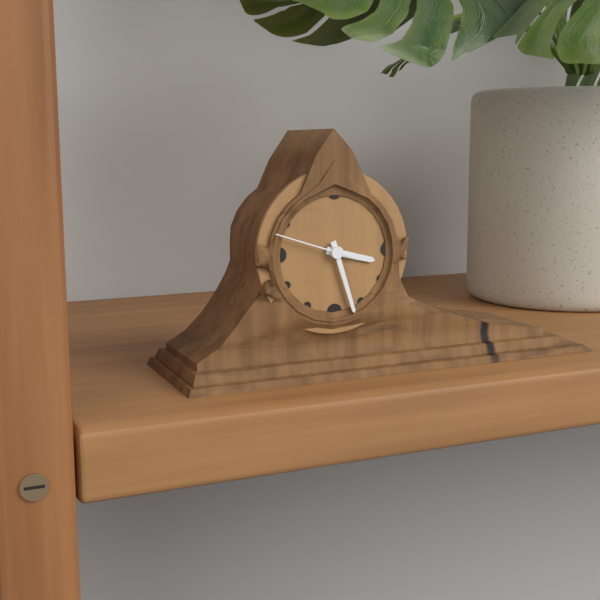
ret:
{"hour": 3, "minute": 27, "second": 48}
